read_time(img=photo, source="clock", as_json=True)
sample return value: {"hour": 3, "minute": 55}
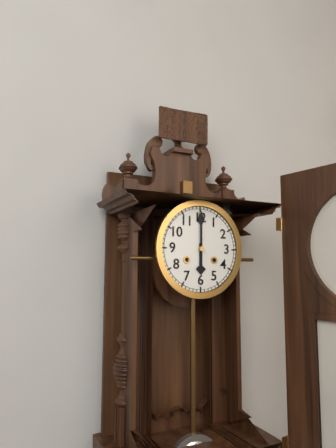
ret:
{"hour": 6, "minute": 0}
